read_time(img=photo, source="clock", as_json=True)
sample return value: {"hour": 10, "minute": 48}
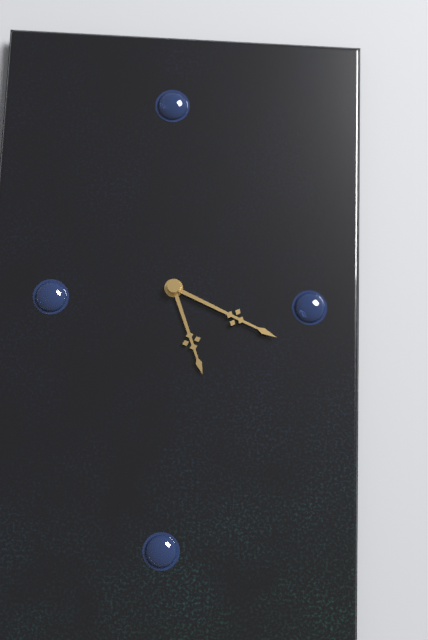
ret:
{"hour": 5, "minute": 19}
